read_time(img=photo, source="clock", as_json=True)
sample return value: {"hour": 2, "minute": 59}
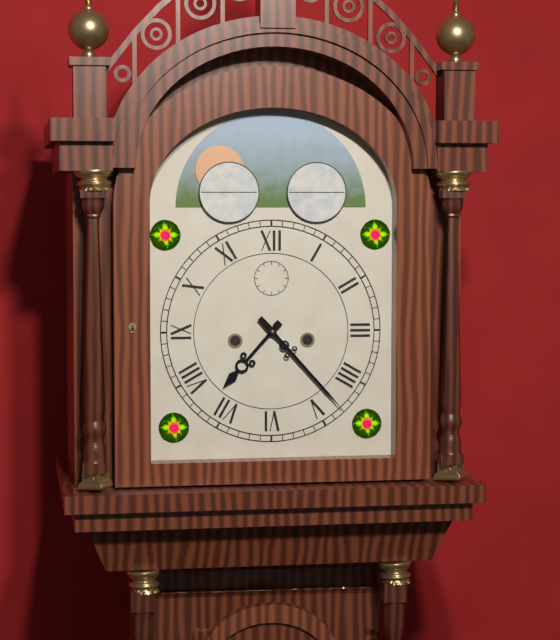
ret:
{"hour": 7, "minute": 23}
